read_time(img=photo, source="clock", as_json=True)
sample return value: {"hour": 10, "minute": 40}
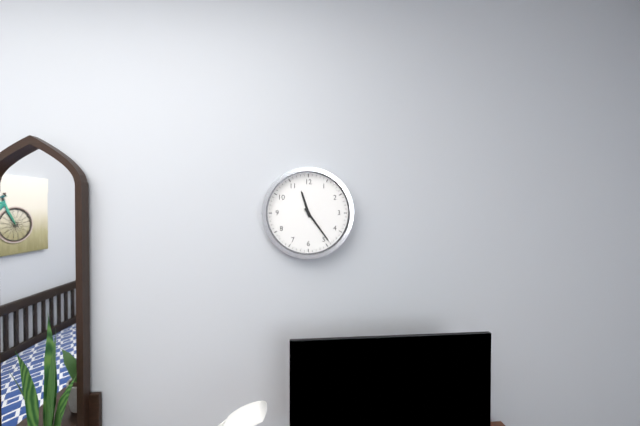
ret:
{"hour": 11, "minute": 24}
